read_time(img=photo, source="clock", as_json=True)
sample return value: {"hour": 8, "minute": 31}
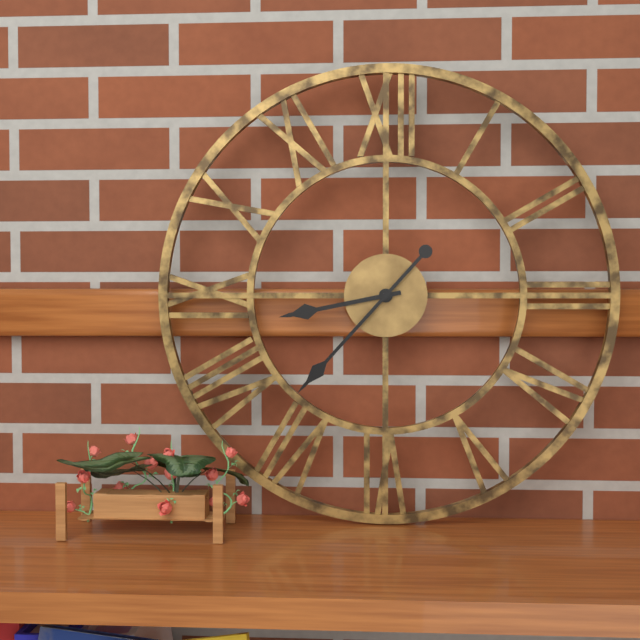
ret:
{"hour": 8, "minute": 37}
